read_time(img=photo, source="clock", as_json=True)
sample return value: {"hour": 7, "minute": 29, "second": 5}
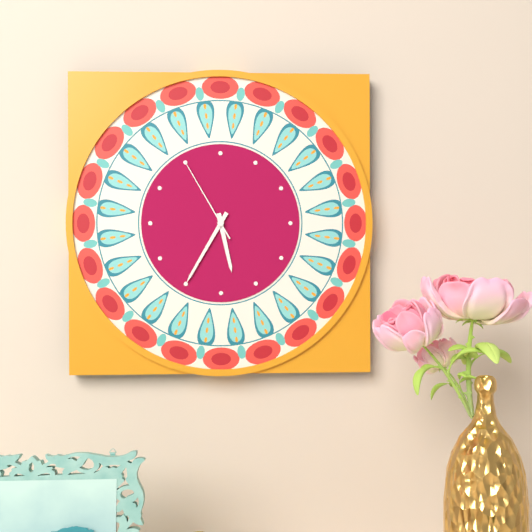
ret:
{"hour": 5, "minute": 35, "second": 55}
